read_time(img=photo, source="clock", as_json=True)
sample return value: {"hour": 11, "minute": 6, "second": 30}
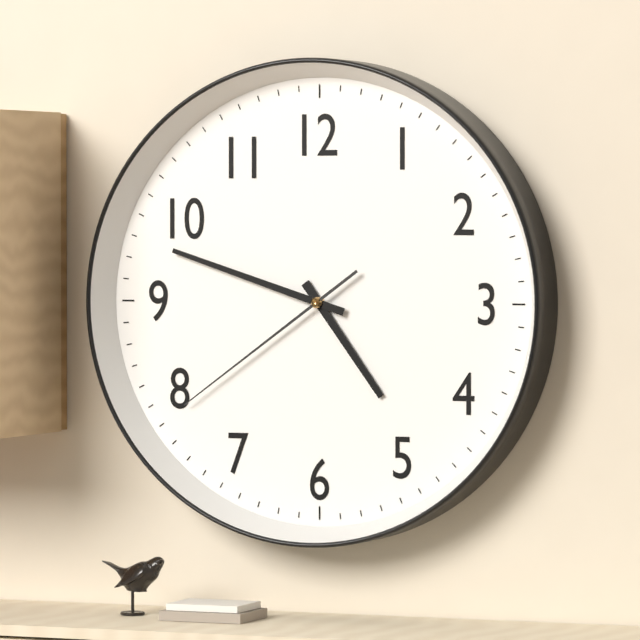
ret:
{"hour": 4, "minute": 48, "second": 39}
